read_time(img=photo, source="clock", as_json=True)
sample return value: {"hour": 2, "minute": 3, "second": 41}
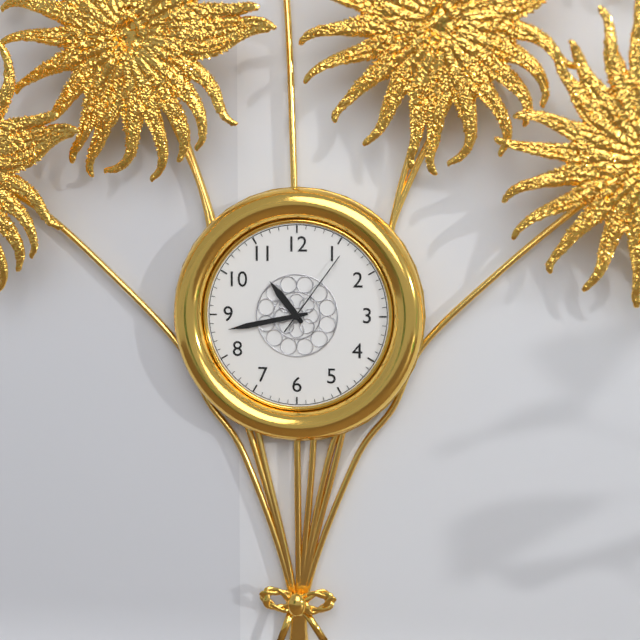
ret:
{"hour": 10, "minute": 43, "second": 6}
